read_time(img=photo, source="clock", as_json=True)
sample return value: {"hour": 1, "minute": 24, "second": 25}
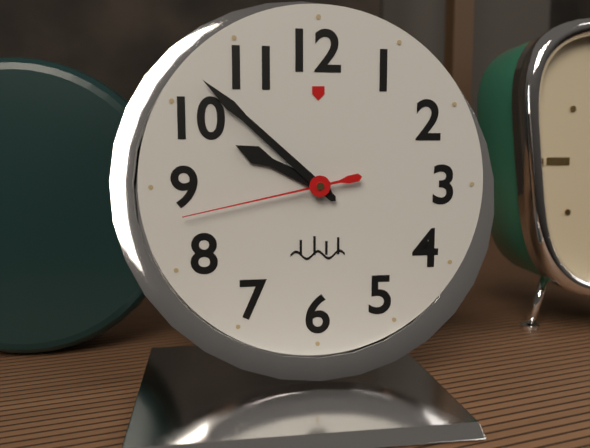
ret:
{"hour": 9, "minute": 52, "second": 43}
